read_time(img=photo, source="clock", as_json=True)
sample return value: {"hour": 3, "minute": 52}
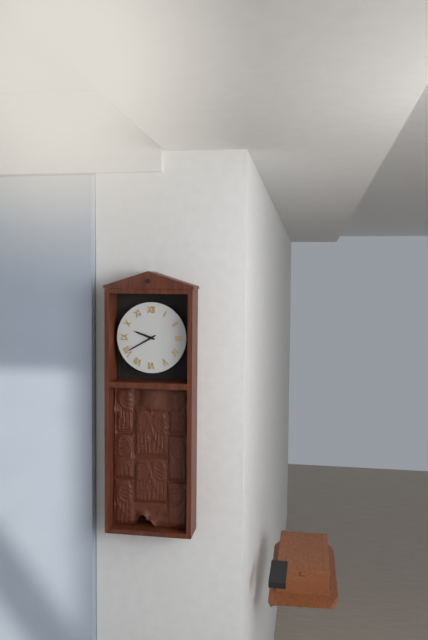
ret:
{"hour": 9, "minute": 40}
